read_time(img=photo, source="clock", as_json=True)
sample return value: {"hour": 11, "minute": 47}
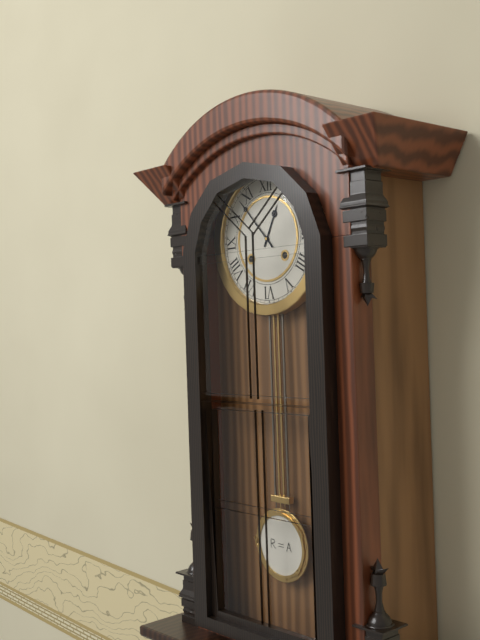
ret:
{"hour": 12, "minute": 53}
